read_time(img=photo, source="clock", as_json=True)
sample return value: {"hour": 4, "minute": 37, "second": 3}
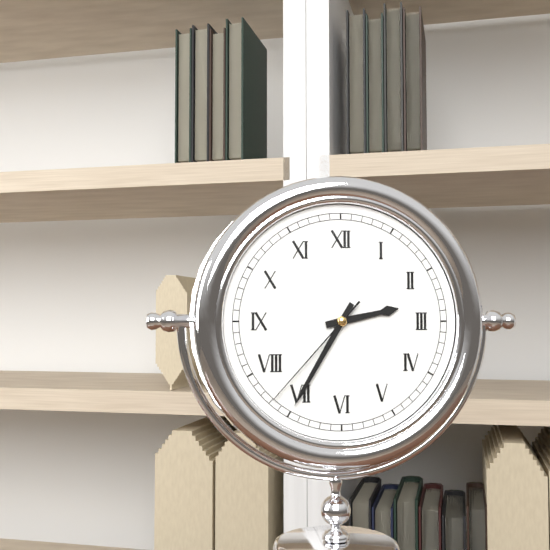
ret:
{"hour": 2, "minute": 35, "second": 37}
